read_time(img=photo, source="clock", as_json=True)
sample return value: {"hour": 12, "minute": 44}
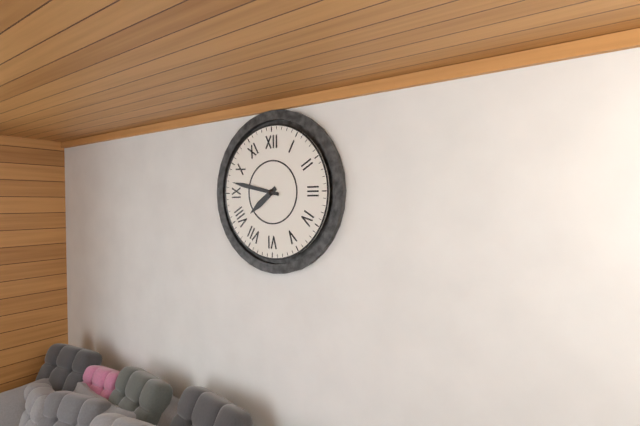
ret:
{"hour": 7, "minute": 47}
